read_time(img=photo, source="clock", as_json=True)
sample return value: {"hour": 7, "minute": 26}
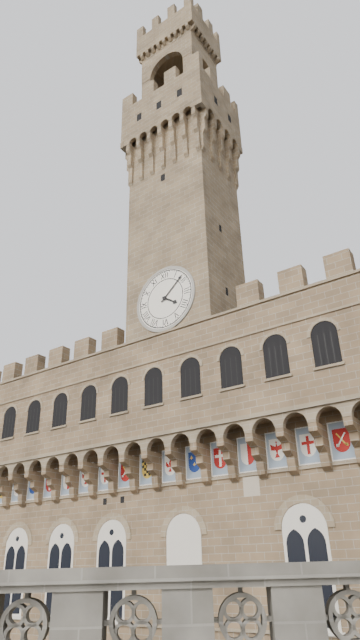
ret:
{"hour": 4, "minute": 8}
